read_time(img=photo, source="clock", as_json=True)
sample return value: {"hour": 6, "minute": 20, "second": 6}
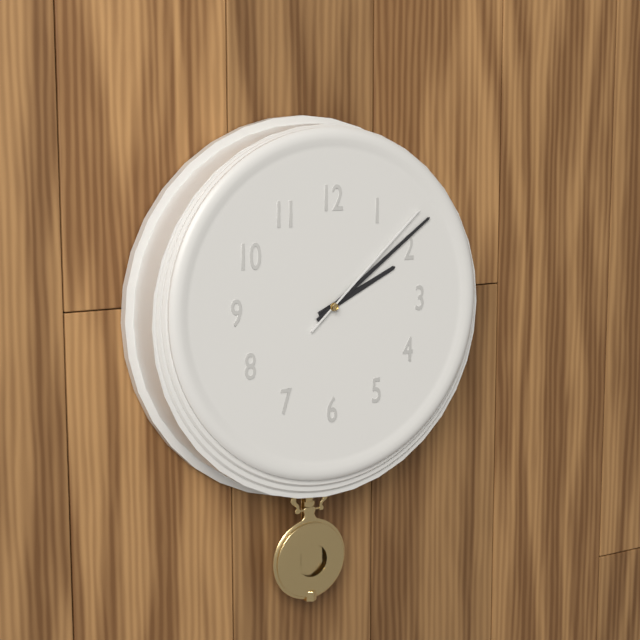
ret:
{"hour": 2, "minute": 9, "second": 8}
